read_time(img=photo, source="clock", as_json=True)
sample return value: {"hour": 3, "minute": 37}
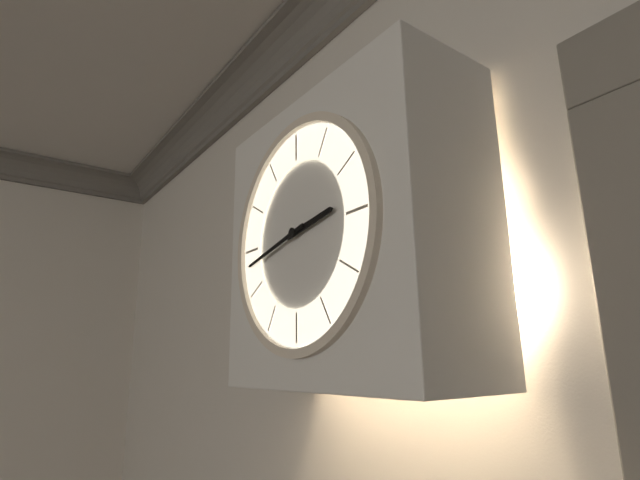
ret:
{"hour": 2, "minute": 43}
